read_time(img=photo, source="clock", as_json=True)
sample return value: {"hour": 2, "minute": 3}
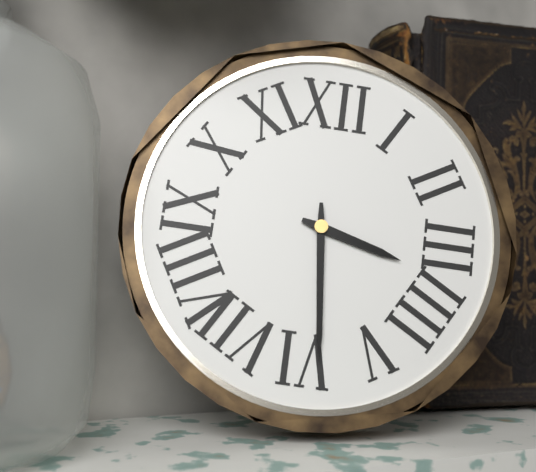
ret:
{"hour": 3, "minute": 29}
